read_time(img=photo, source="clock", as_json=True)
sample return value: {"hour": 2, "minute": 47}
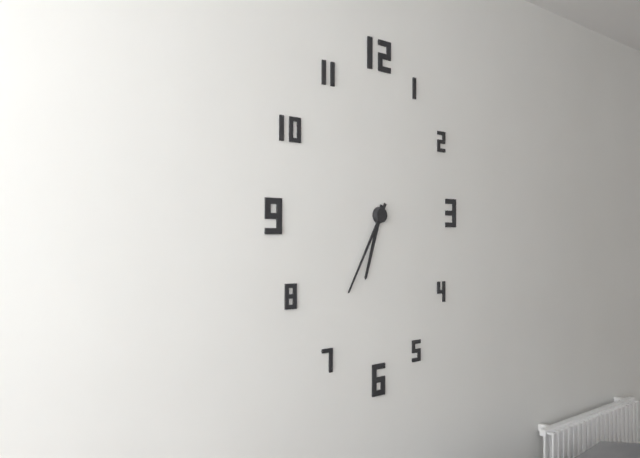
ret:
{"hour": 6, "minute": 35}
